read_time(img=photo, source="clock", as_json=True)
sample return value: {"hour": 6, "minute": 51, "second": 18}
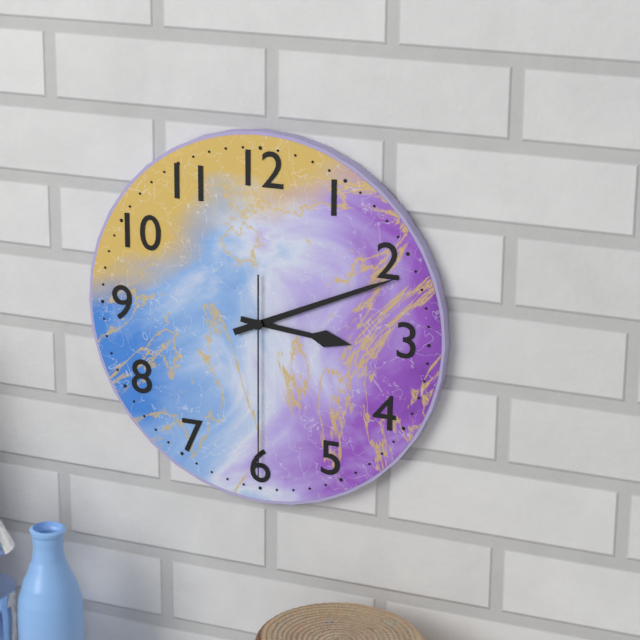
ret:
{"hour": 3, "minute": 11, "second": 30}
